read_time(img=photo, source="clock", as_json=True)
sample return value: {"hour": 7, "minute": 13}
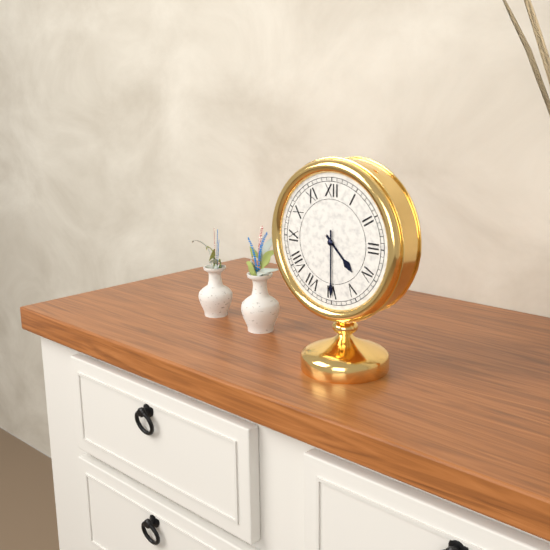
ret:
{"hour": 4, "minute": 30}
